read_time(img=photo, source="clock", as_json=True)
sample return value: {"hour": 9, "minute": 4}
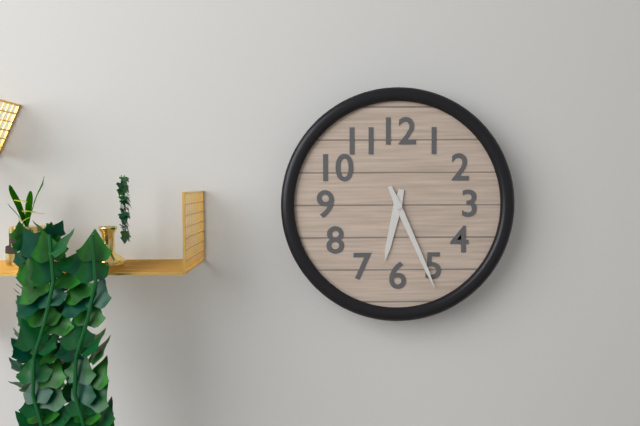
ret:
{"hour": 6, "minute": 26}
